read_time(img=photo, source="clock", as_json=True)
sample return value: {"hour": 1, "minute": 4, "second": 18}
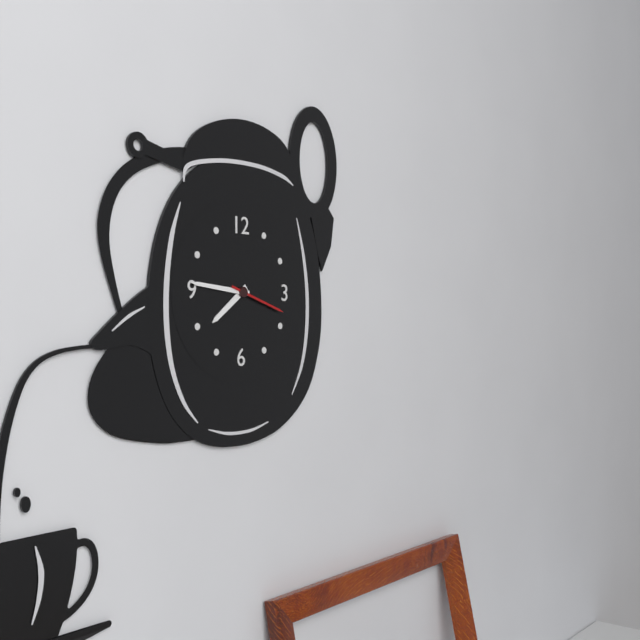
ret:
{"hour": 7, "minute": 46, "second": 18}
